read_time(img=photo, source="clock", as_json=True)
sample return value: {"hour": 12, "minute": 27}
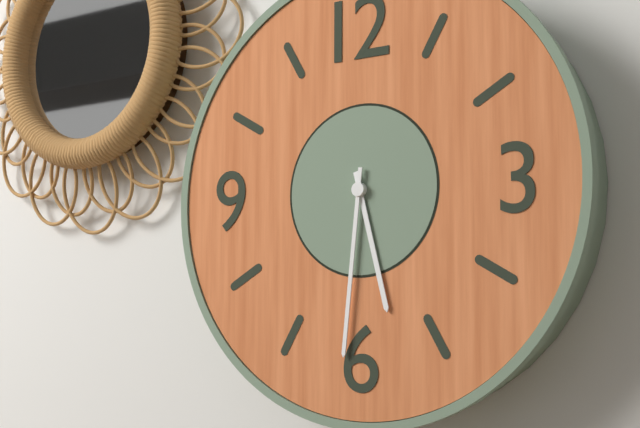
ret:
{"hour": 5, "minute": 31}
